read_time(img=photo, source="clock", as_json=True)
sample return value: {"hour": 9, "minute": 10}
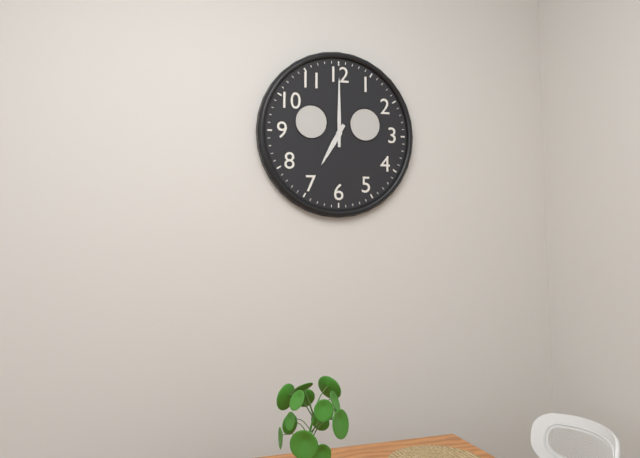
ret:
{"hour": 7, "minute": 0}
